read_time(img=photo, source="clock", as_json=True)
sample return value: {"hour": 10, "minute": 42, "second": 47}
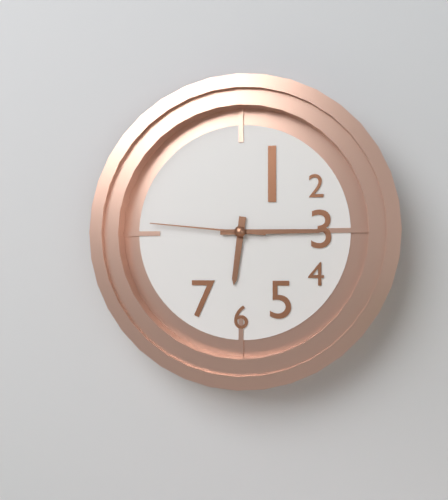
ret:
{"hour": 6, "minute": 15, "second": 46}
